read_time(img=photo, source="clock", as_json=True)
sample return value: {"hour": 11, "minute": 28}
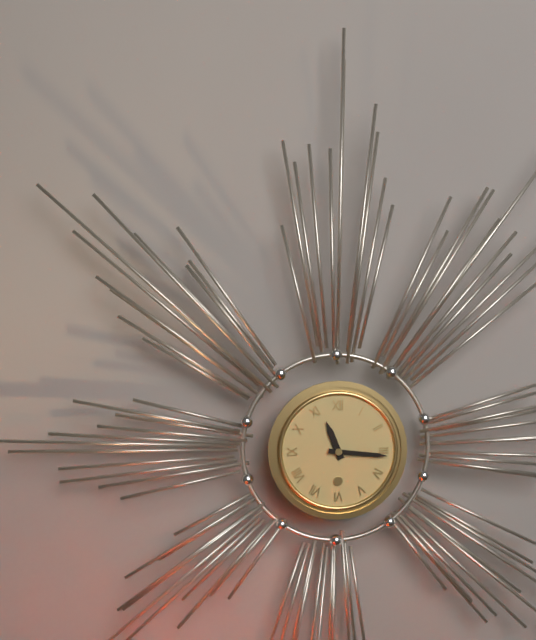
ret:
{"hour": 11, "minute": 16}
